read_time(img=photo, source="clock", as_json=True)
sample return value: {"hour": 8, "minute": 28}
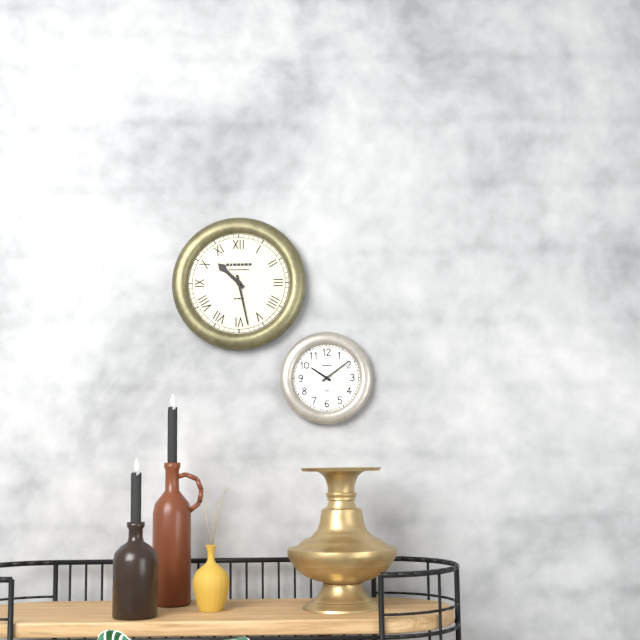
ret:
{"hour": 10, "minute": 28}
